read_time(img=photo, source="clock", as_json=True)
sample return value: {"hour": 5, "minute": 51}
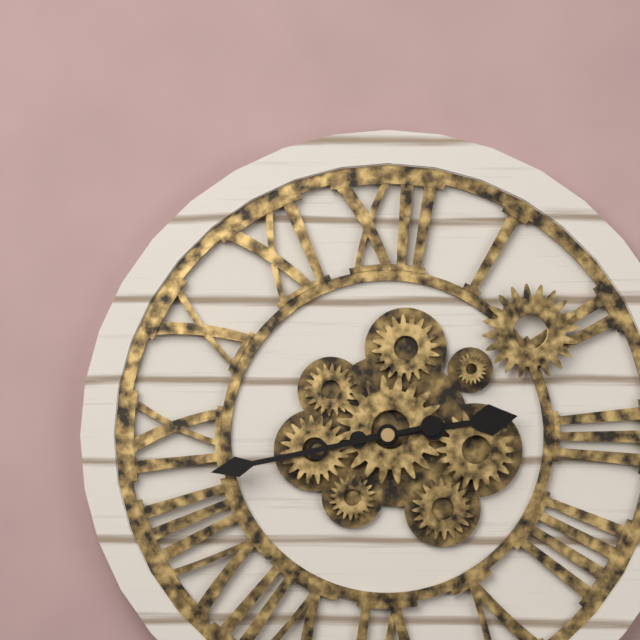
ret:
{"hour": 2, "minute": 43}
